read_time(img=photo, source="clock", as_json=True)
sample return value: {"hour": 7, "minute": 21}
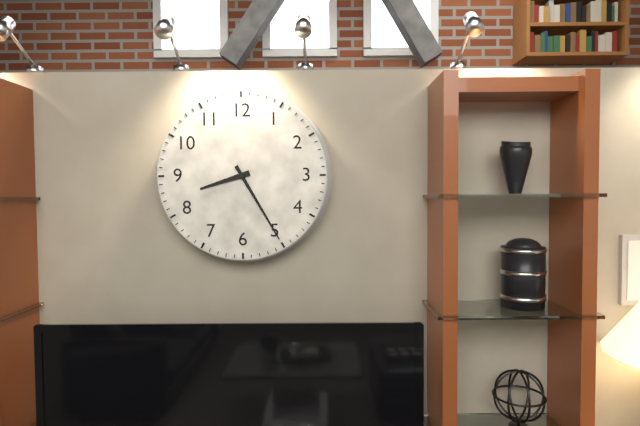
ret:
{"hour": 8, "minute": 25}
